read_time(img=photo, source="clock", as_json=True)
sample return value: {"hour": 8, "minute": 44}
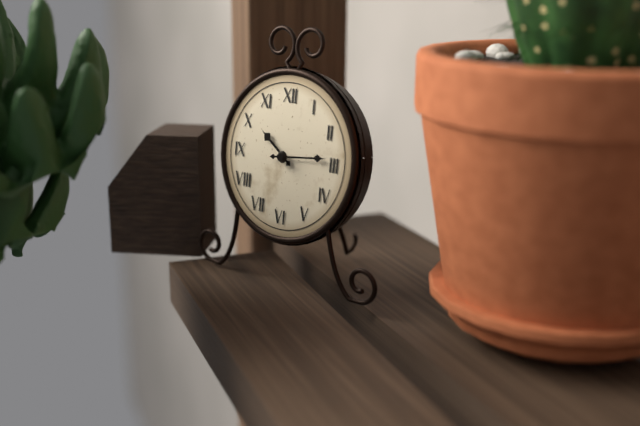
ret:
{"hour": 10, "minute": 14}
